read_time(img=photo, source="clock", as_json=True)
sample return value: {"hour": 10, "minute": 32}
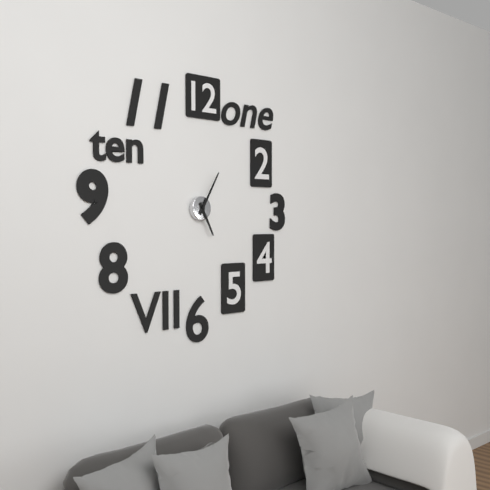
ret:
{"hour": 5, "minute": 5}
